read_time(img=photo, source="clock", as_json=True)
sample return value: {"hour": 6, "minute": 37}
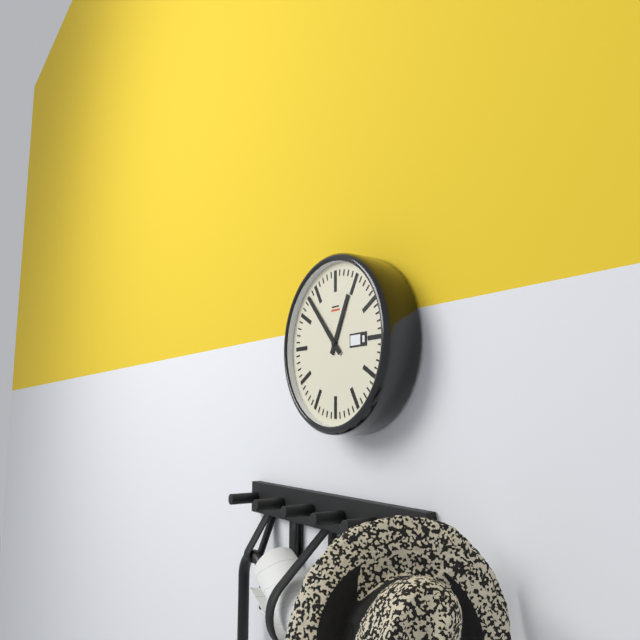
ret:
{"hour": 12, "minute": 53}
